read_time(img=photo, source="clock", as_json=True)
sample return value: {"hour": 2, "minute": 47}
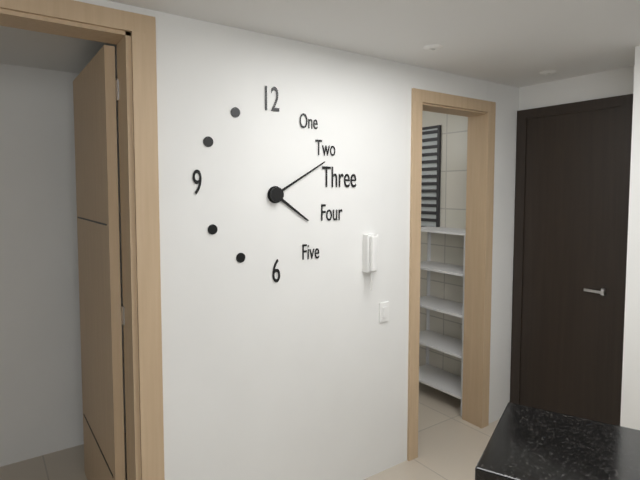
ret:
{"hour": 4, "minute": 10}
